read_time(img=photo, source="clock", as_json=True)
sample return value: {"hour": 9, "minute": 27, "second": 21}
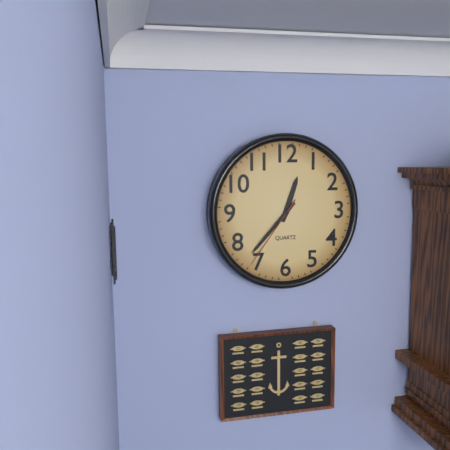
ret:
{"hour": 12, "minute": 37, "second": 36}
